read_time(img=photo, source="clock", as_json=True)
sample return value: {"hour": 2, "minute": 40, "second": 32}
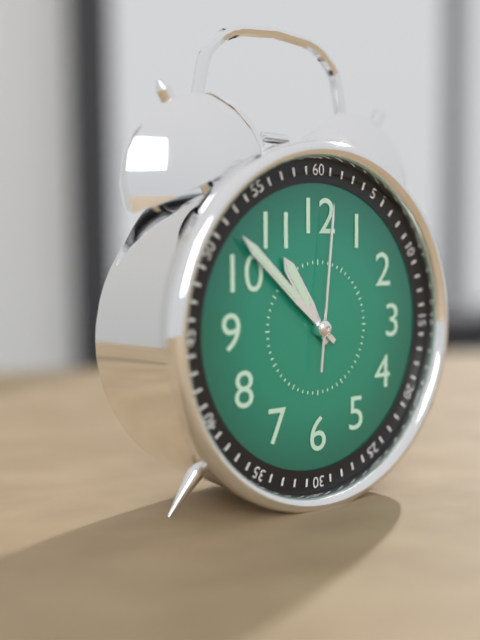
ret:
{"hour": 10, "minute": 52, "second": 1}
